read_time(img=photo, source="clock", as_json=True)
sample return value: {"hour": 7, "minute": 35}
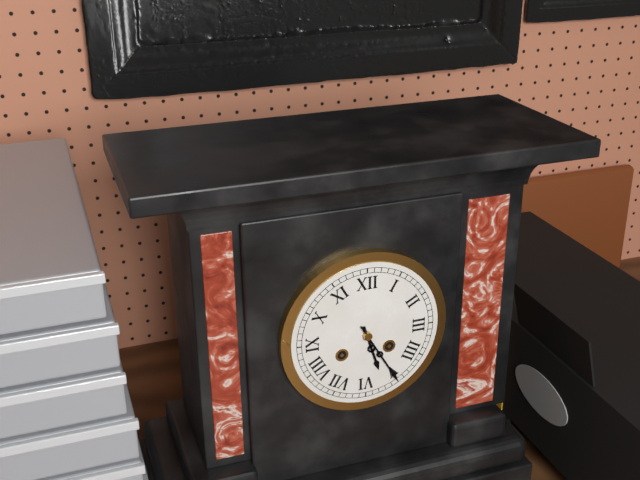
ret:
{"hour": 5, "minute": 25}
